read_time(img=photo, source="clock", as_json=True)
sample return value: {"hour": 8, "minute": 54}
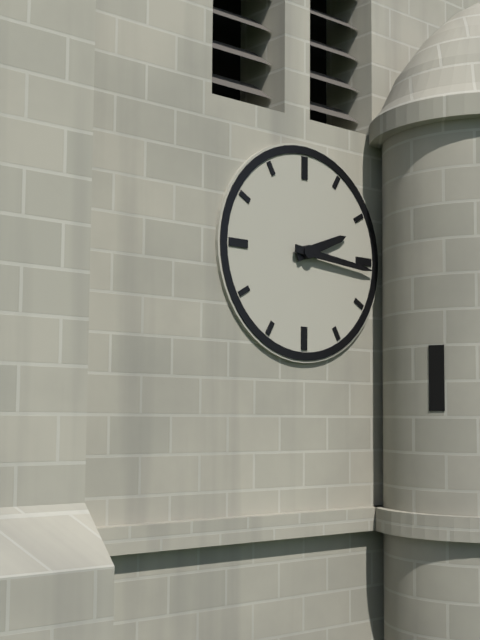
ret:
{"hour": 2, "minute": 16}
